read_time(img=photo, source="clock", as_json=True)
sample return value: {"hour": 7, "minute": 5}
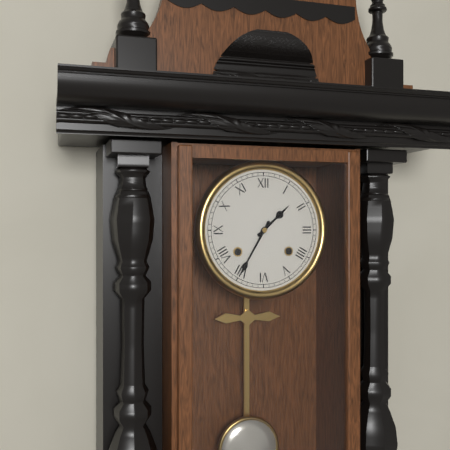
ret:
{"hour": 1, "minute": 35}
